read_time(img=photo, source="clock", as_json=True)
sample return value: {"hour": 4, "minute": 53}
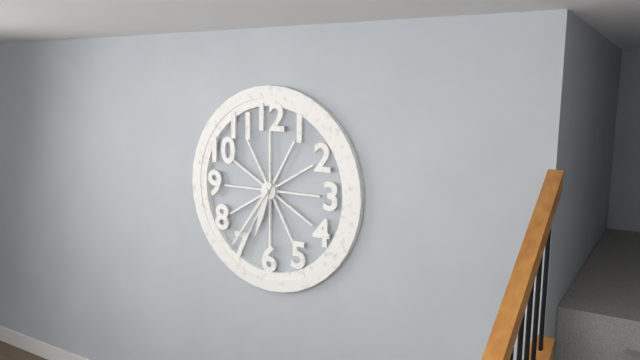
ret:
{"hour": 6, "minute": 36}
